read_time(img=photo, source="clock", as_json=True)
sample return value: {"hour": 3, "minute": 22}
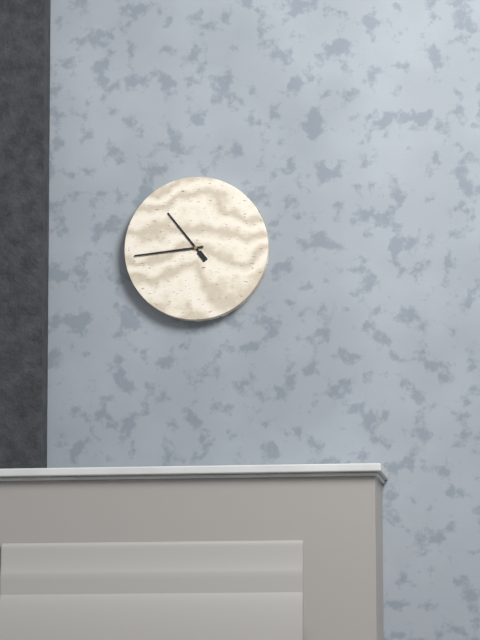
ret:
{"hour": 10, "minute": 44}
